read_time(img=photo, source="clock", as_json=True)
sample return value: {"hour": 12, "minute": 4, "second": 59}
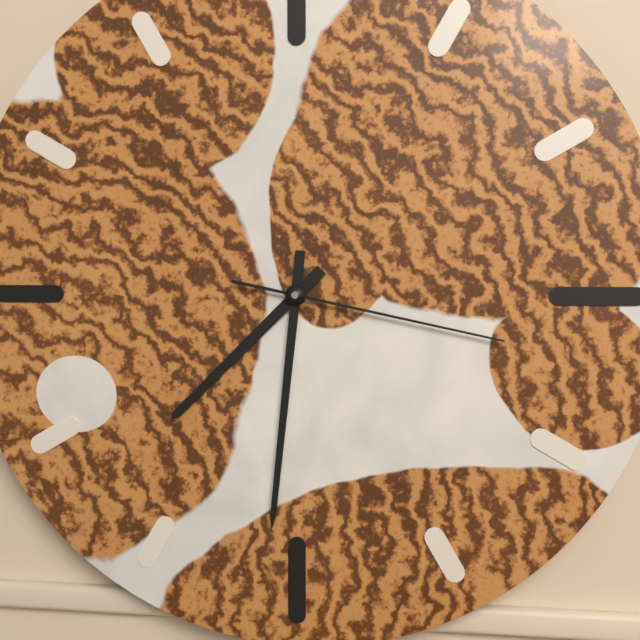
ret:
{"hour": 7, "minute": 31, "second": 17}
